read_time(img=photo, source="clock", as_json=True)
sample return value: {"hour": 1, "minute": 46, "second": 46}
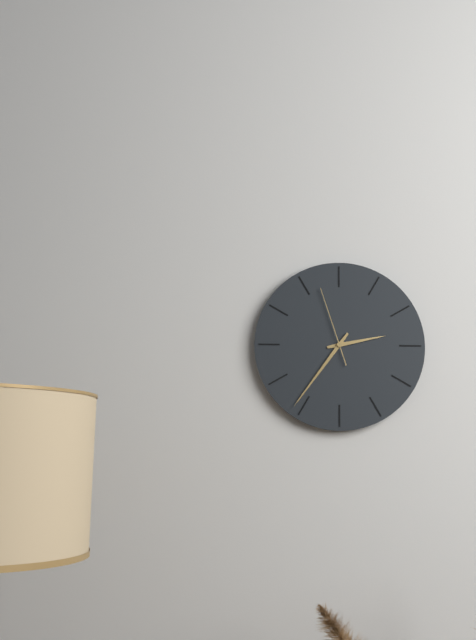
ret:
{"hour": 2, "minute": 36, "second": 57}
